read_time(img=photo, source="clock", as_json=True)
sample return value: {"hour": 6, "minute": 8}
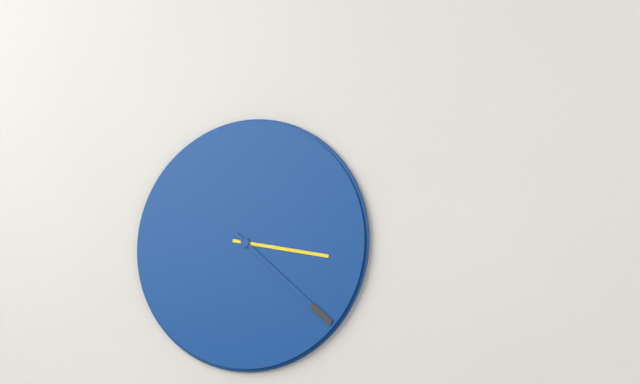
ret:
{"hour": 3, "minute": 22}
